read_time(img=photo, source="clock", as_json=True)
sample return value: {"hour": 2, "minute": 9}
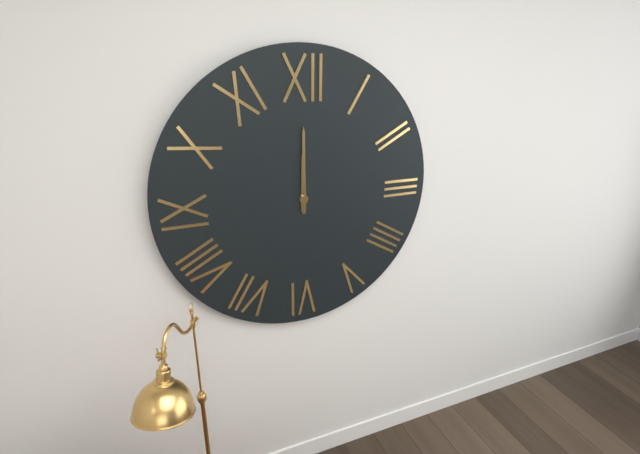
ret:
{"hour": 12, "minute": 0}
